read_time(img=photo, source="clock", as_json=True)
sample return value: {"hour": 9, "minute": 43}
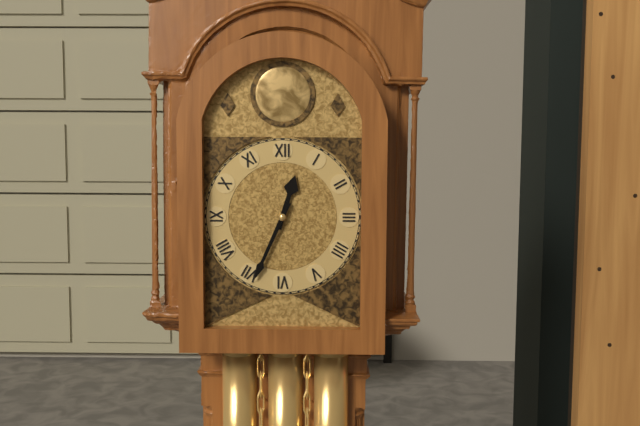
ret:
{"hour": 12, "minute": 34}
